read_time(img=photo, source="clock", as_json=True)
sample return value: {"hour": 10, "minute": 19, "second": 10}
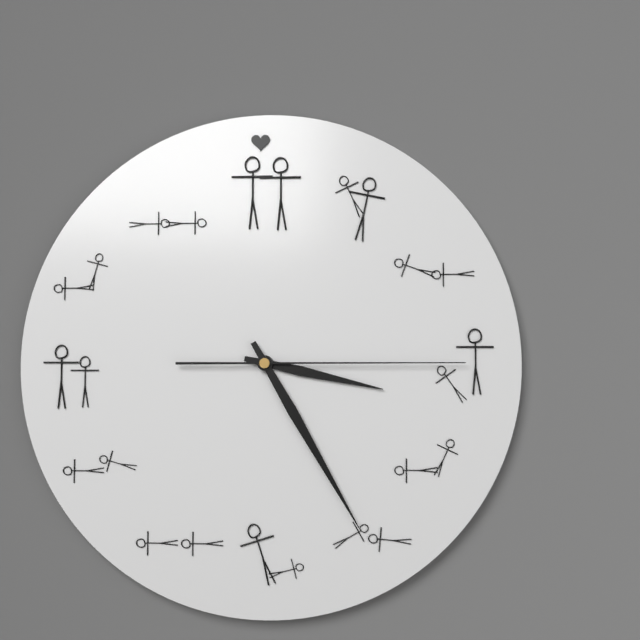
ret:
{"hour": 3, "minute": 25, "second": 15}
